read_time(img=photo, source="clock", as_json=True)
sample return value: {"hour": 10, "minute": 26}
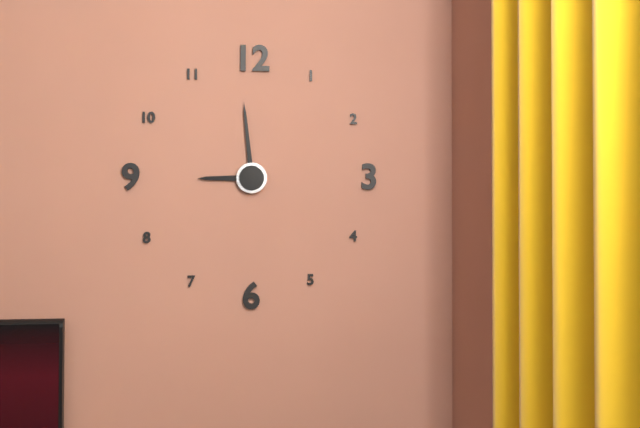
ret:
{"hour": 8, "minute": 59}
